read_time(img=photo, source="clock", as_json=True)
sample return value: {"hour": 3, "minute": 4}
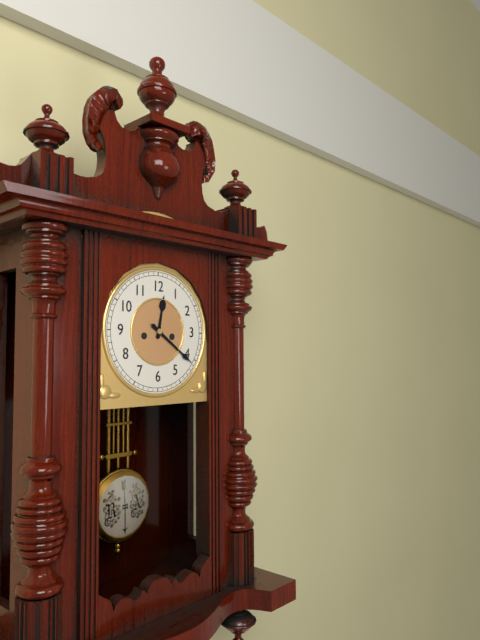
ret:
{"hour": 12, "minute": 21}
